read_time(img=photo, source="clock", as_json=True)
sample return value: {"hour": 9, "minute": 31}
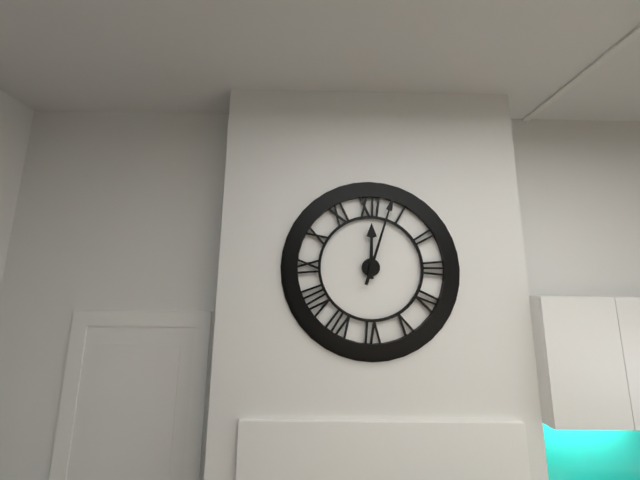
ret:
{"hour": 12, "minute": 3}
